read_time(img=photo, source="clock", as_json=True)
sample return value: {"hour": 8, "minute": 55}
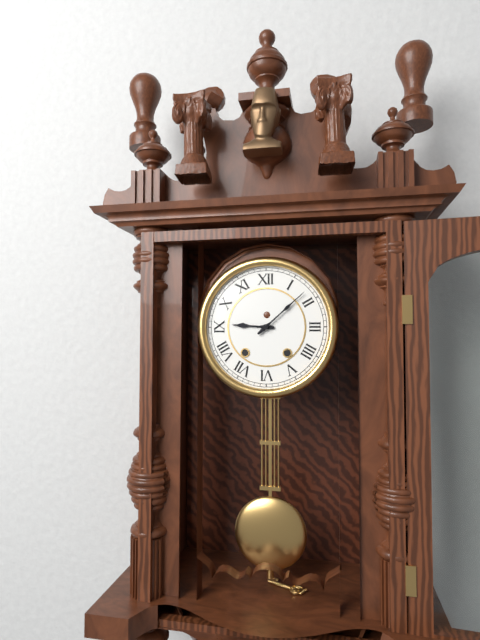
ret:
{"hour": 9, "minute": 8}
